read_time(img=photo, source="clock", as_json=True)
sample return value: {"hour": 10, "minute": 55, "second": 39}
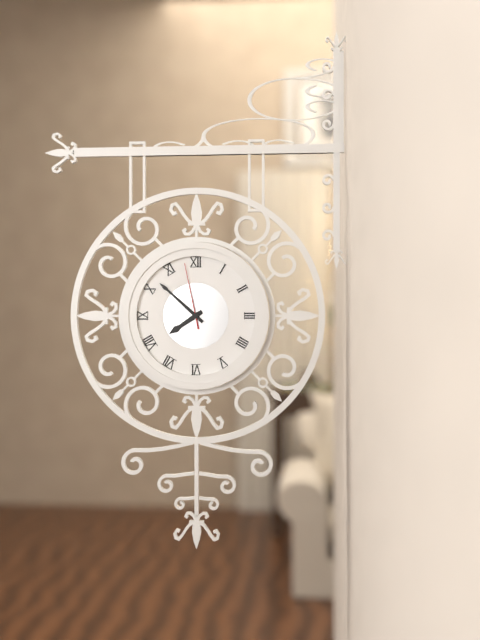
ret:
{"hour": 7, "minute": 52, "second": 58}
